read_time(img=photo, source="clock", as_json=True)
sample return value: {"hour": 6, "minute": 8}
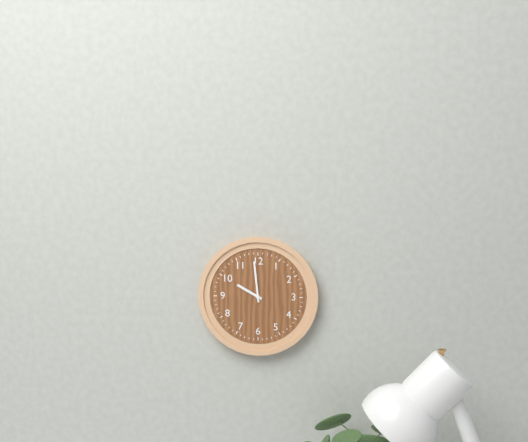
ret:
{"hour": 9, "minute": 59}
